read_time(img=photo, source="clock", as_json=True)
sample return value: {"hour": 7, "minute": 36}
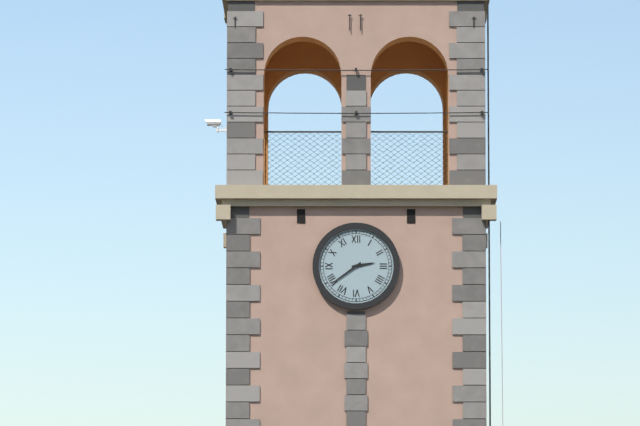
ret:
{"hour": 2, "minute": 39}
